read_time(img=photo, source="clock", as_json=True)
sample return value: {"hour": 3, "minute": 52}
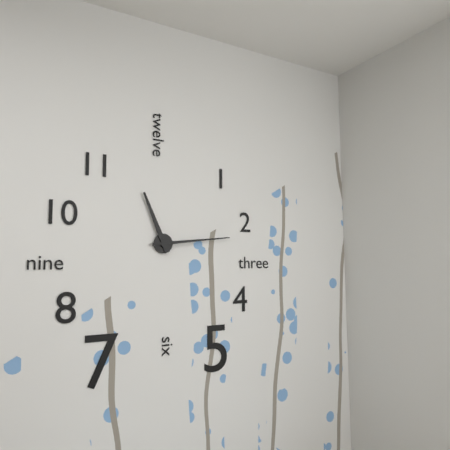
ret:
{"hour": 11, "minute": 14}
